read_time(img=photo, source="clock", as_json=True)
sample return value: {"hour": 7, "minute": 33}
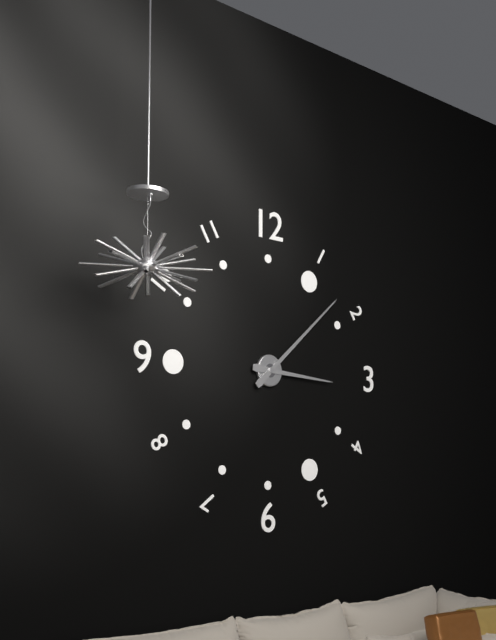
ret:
{"hour": 3, "minute": 8}
